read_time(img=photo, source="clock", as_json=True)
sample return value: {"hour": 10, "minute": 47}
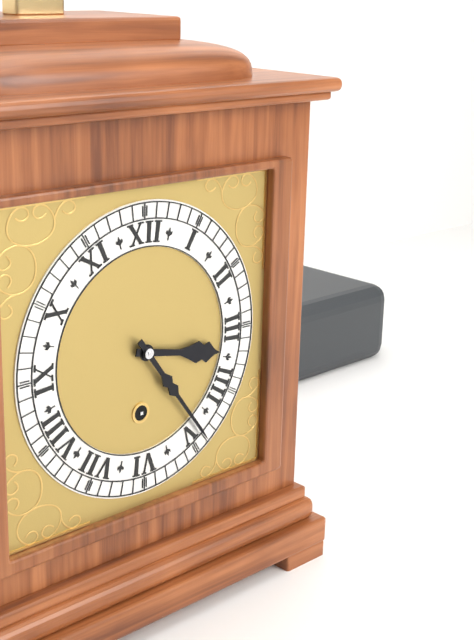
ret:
{"hour": 3, "minute": 24}
